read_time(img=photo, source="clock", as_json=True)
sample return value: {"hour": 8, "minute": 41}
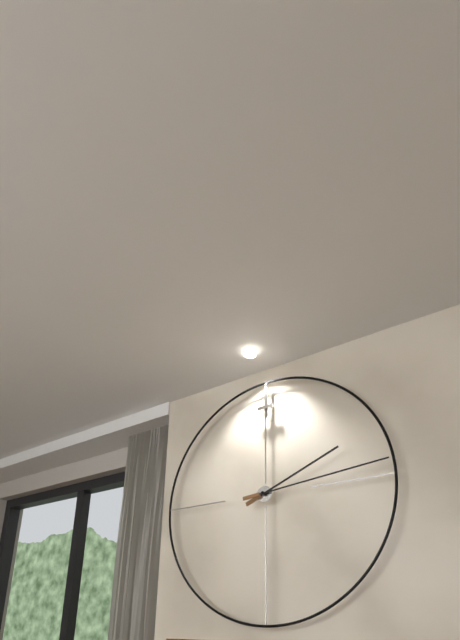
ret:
{"hour": 2, "minute": 14}
